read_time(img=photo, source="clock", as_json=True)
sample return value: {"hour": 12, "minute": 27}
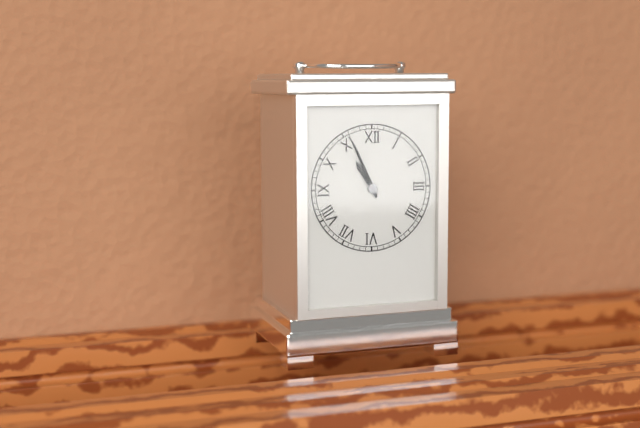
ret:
{"hour": 10, "minute": 56}
